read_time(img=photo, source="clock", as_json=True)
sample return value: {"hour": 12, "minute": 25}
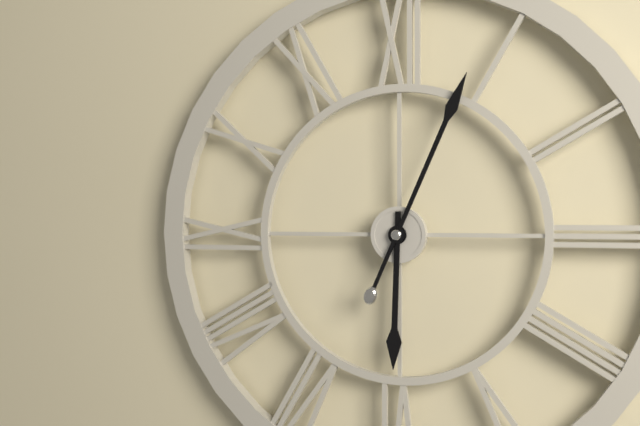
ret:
{"hour": 6, "minute": 4}
